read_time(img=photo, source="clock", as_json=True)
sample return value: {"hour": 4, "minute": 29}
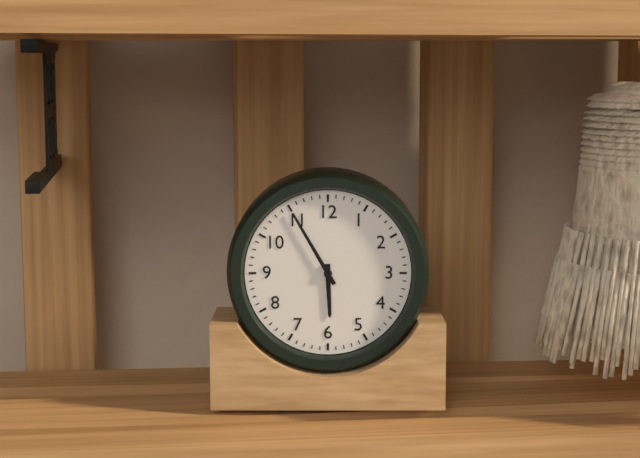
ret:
{"hour": 5, "minute": 55}
